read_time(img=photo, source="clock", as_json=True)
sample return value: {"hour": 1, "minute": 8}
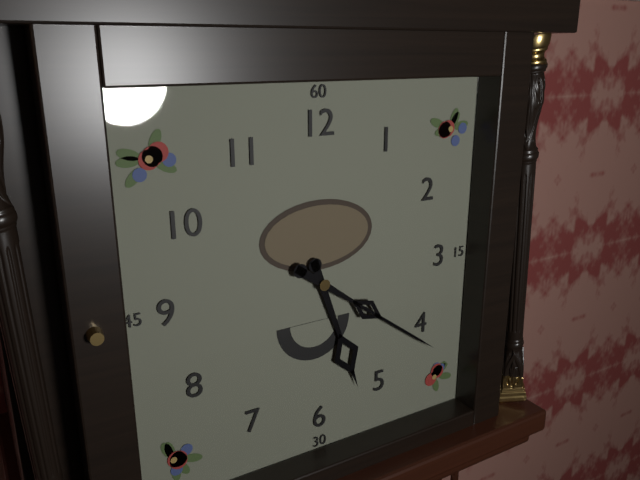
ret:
{"hour": 5, "minute": 21}
